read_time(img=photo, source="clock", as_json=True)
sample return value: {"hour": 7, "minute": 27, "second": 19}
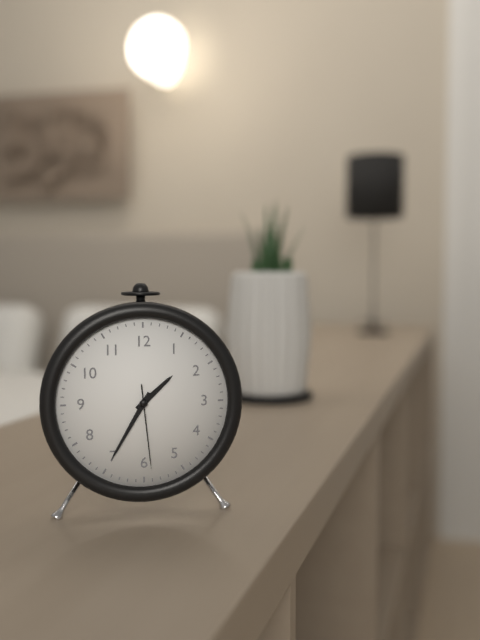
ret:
{"hour": 1, "minute": 35, "second": 29}
